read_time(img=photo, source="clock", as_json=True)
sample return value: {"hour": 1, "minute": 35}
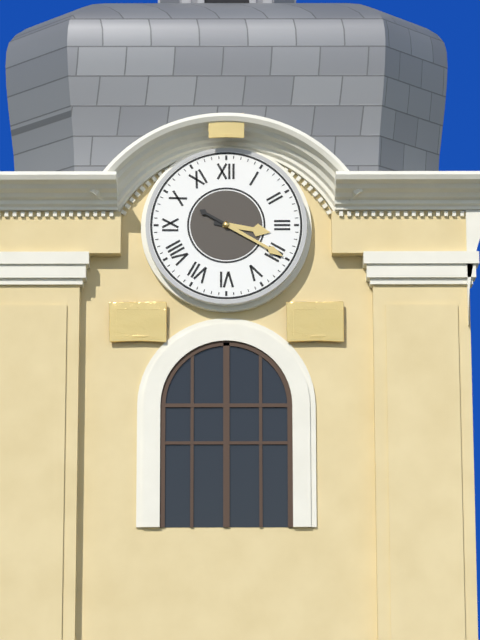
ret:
{"hour": 3, "minute": 20}
